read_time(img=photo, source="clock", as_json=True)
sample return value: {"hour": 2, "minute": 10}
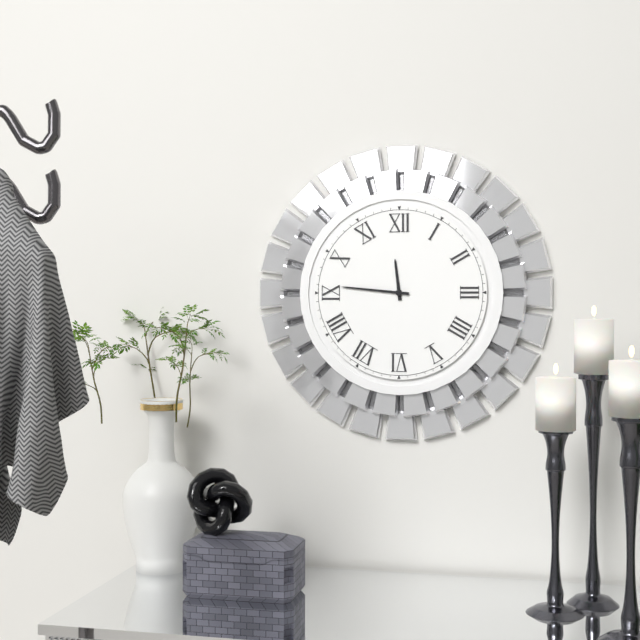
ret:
{"hour": 11, "minute": 46}
